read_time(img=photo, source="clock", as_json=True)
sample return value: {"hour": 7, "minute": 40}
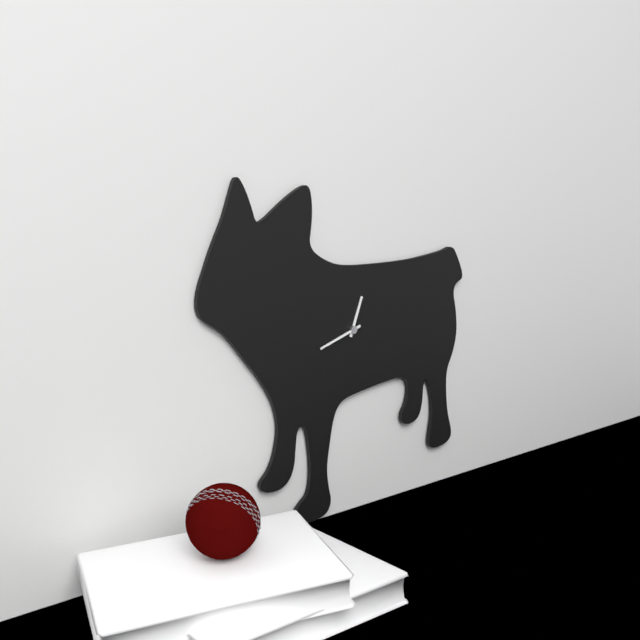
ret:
{"hour": 12, "minute": 42}
